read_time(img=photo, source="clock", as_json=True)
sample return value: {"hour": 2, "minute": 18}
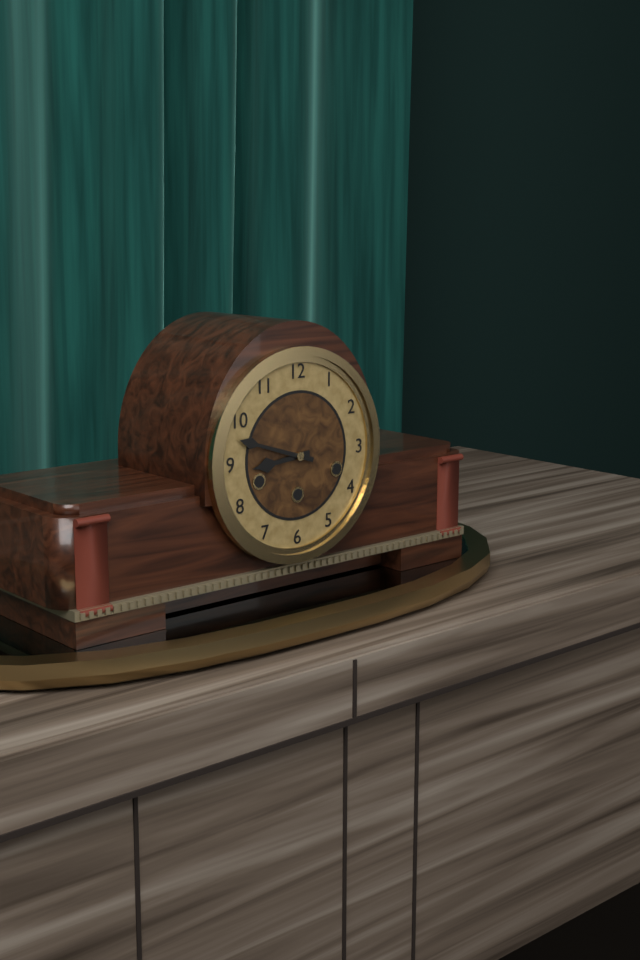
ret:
{"hour": 8, "minute": 48}
